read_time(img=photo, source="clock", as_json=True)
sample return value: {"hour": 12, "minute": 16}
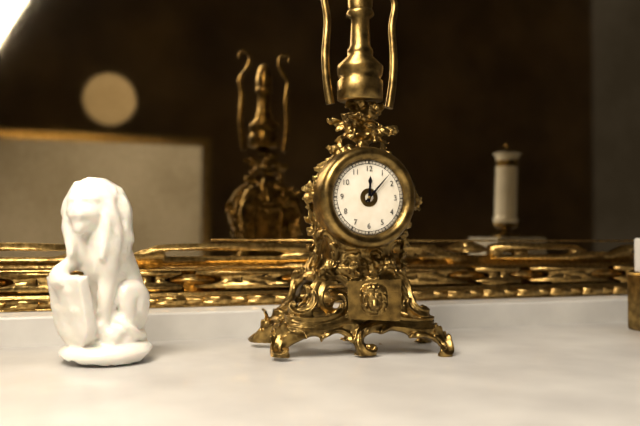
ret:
{"hour": 12, "minute": 7}
